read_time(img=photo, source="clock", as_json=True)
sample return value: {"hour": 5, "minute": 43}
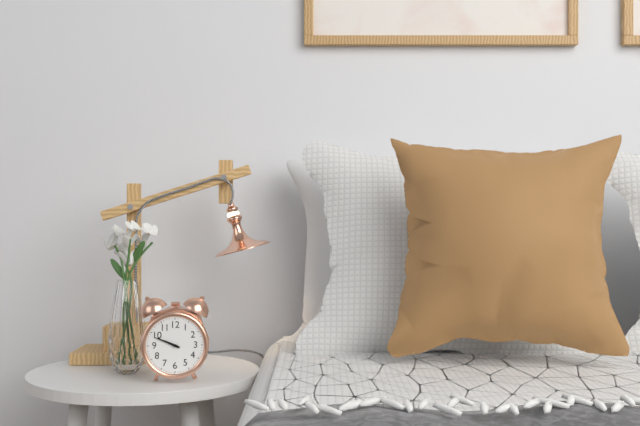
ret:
{"hour": 9, "minute": 49}
